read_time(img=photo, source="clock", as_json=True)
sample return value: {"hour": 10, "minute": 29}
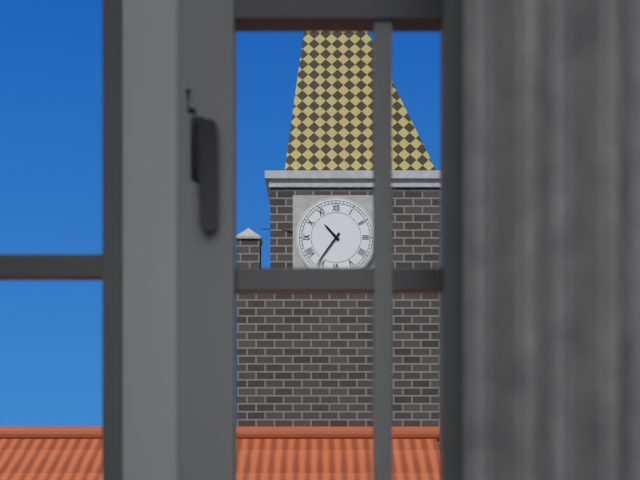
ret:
{"hour": 10, "minute": 36}
